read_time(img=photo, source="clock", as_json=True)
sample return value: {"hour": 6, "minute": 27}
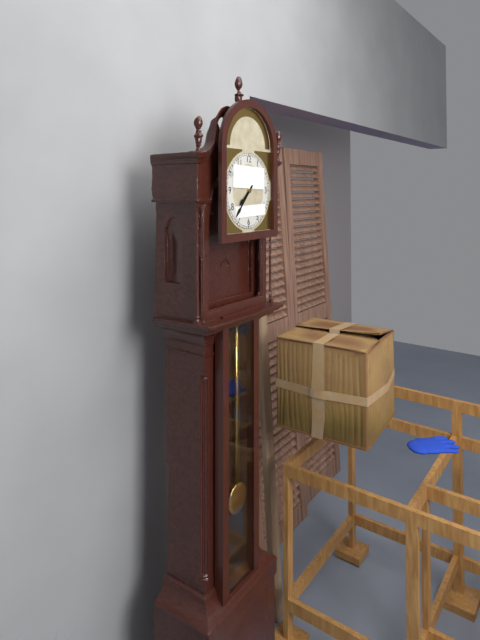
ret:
{"hour": 7, "minute": 37}
